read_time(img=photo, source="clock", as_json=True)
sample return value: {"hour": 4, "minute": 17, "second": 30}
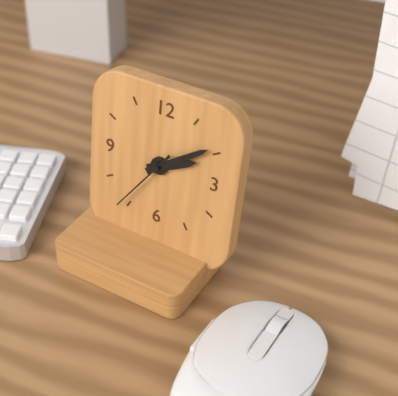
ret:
{"hour": 2, "minute": 9, "second": 36}
